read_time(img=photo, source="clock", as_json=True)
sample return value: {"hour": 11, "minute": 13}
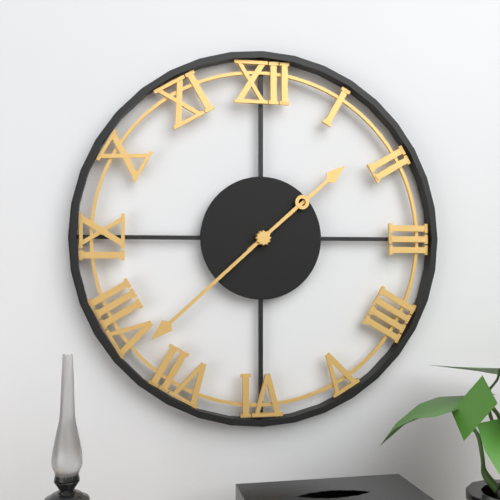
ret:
{"hour": 1, "minute": 38}
